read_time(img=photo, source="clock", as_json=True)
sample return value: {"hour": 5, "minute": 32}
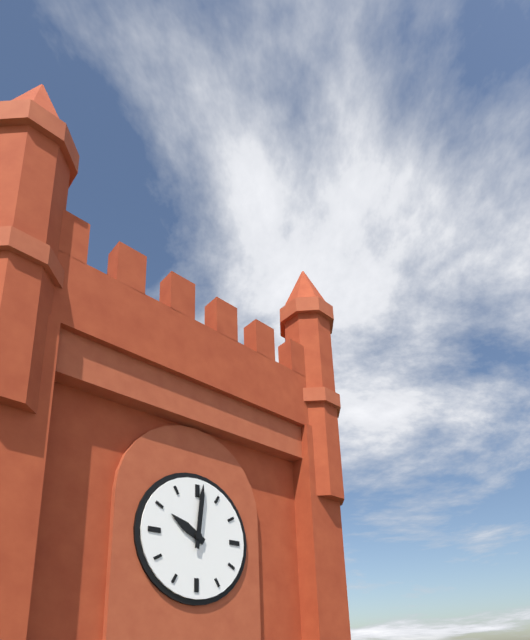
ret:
{"hour": 10, "minute": 1}
